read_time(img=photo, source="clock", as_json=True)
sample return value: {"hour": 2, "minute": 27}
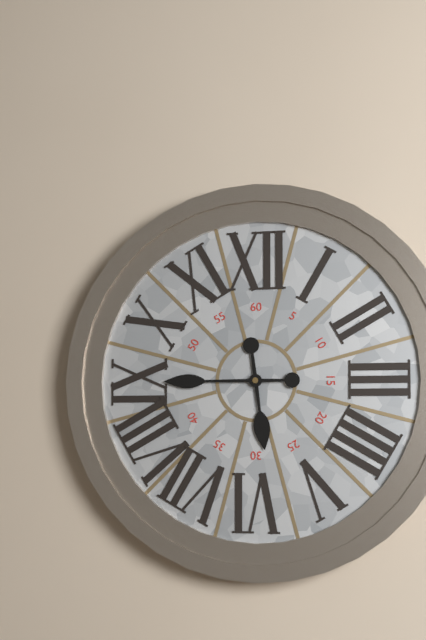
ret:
{"hour": 5, "minute": 45}
